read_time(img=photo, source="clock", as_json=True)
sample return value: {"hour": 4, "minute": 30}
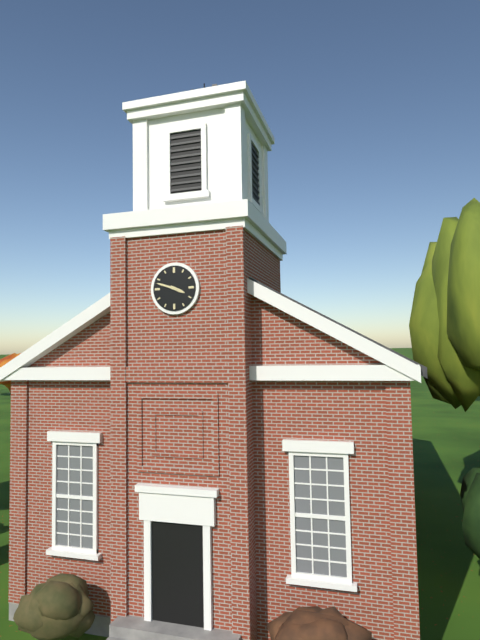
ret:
{"hour": 3, "minute": 48}
